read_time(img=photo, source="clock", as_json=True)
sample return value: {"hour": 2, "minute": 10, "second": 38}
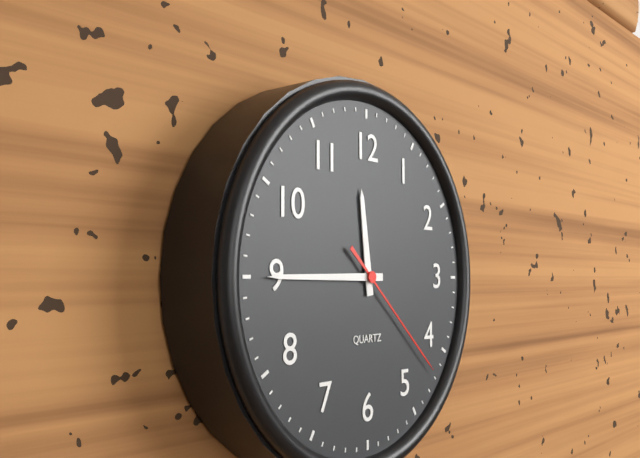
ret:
{"hour": 11, "minute": 45, "second": 22}
